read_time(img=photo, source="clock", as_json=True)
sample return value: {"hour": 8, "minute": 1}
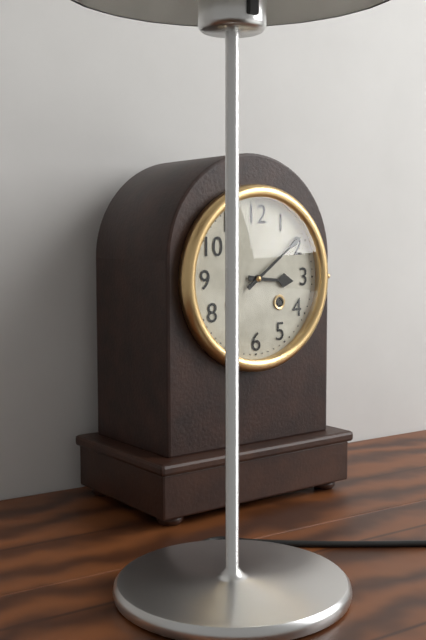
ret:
{"hour": 3, "minute": 9}
